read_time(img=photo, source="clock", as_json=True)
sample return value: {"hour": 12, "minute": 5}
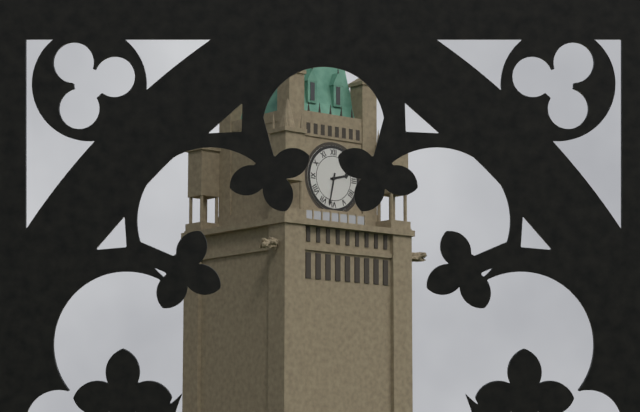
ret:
{"hour": 2, "minute": 32}
